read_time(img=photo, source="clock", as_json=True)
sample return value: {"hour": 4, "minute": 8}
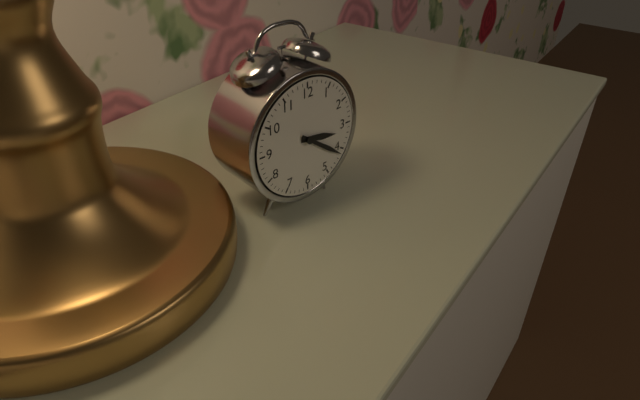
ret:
{"hour": 3, "minute": 21}
